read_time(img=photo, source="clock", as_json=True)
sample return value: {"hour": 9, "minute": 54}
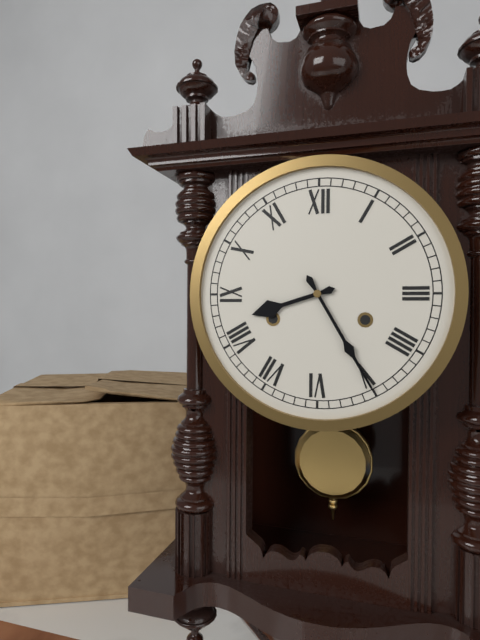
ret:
{"hour": 8, "minute": 25}
